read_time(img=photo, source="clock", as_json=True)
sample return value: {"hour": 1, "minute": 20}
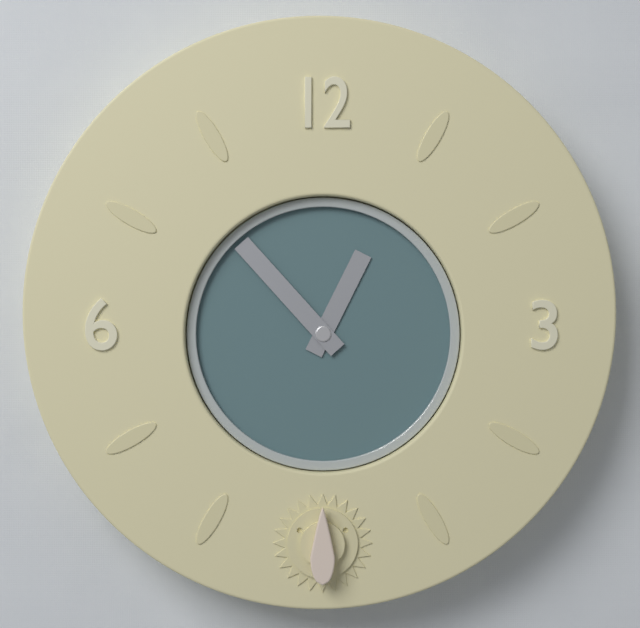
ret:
{"hour": 12, "minute": 53}
